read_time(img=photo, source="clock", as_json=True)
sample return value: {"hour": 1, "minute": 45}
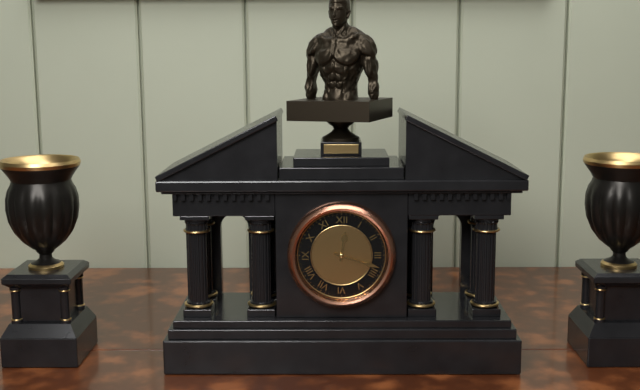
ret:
{"hour": 12, "minute": 18}
